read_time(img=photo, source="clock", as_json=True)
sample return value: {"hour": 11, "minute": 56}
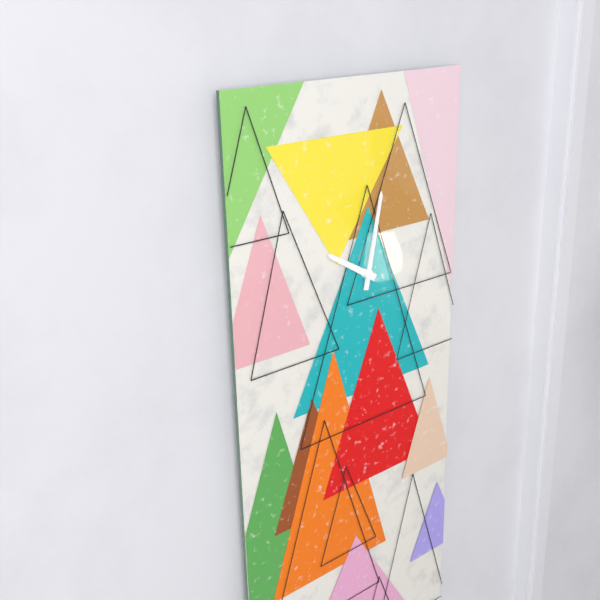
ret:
{"hour": 10, "minute": 2}
